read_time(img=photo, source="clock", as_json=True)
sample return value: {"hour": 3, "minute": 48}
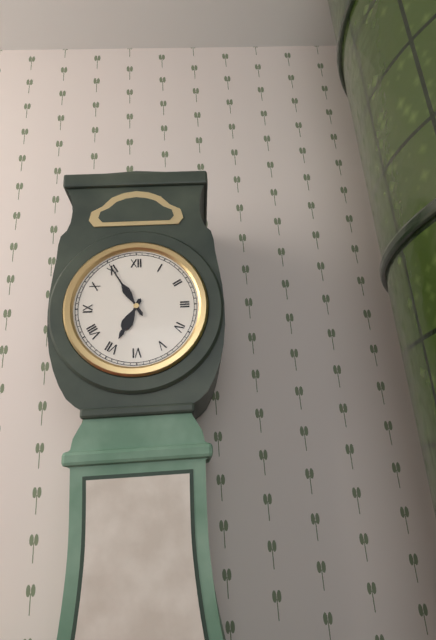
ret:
{"hour": 6, "minute": 55}
